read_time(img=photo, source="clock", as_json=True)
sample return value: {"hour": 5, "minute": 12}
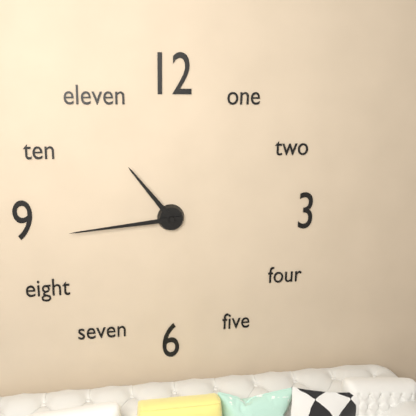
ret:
{"hour": 10, "minute": 44}
